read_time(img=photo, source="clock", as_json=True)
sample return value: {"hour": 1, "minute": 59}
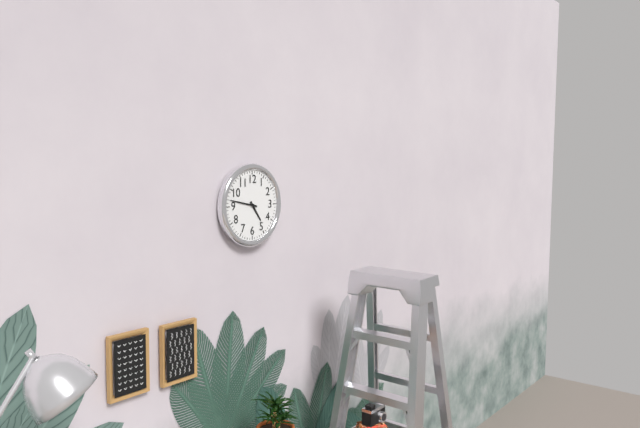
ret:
{"hour": 4, "minute": 47}
